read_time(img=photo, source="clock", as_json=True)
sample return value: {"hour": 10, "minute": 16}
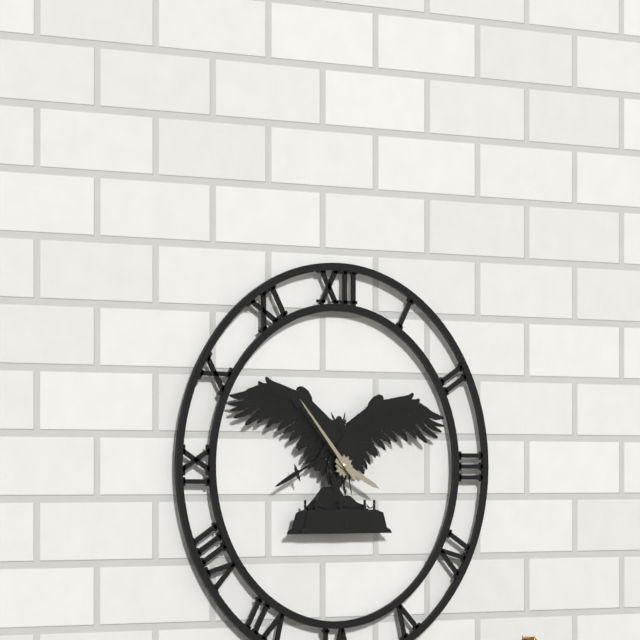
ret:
{"hour": 3, "minute": 53}
